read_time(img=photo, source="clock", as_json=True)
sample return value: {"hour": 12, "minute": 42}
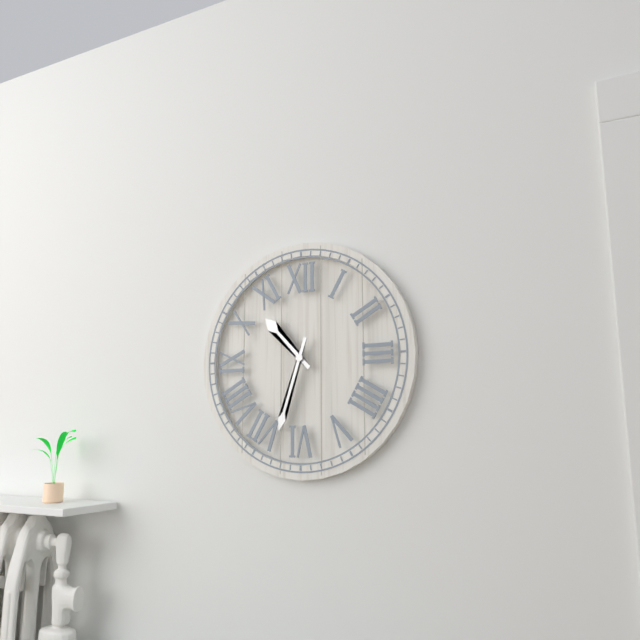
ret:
{"hour": 10, "minute": 33}
